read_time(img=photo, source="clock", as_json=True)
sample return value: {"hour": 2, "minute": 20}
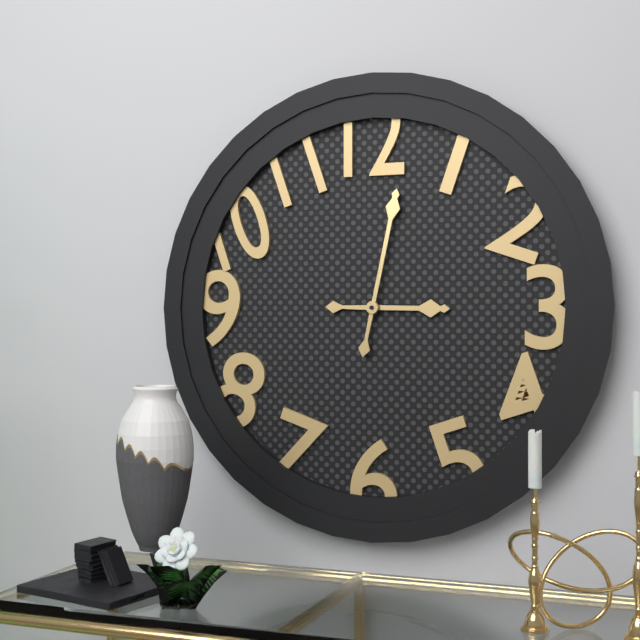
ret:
{"hour": 3, "minute": 2}
